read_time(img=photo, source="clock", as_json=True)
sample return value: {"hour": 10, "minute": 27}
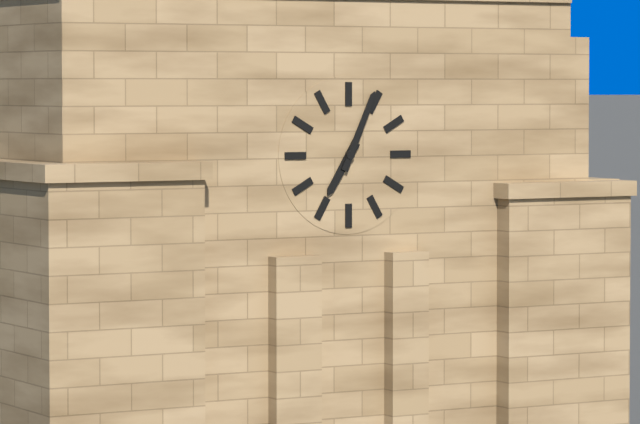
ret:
{"hour": 7, "minute": 4}
